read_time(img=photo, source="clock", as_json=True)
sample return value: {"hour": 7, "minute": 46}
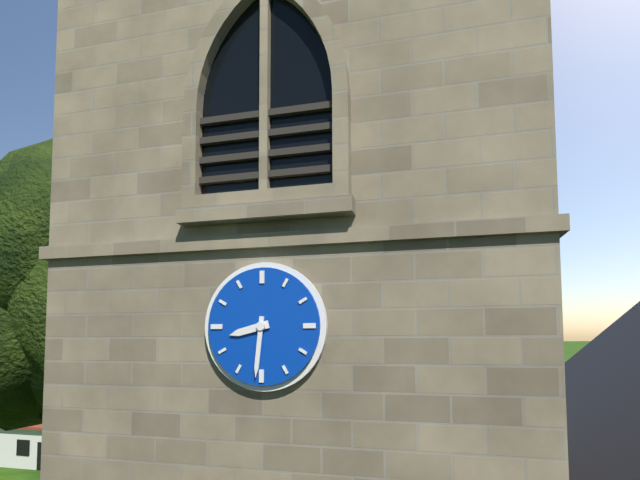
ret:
{"hour": 8, "minute": 31}
